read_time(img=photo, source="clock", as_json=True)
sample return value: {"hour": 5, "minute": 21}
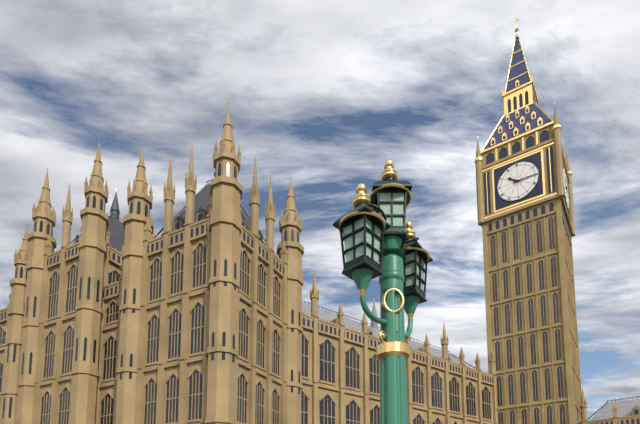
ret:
{"hour": 10, "minute": 15}
